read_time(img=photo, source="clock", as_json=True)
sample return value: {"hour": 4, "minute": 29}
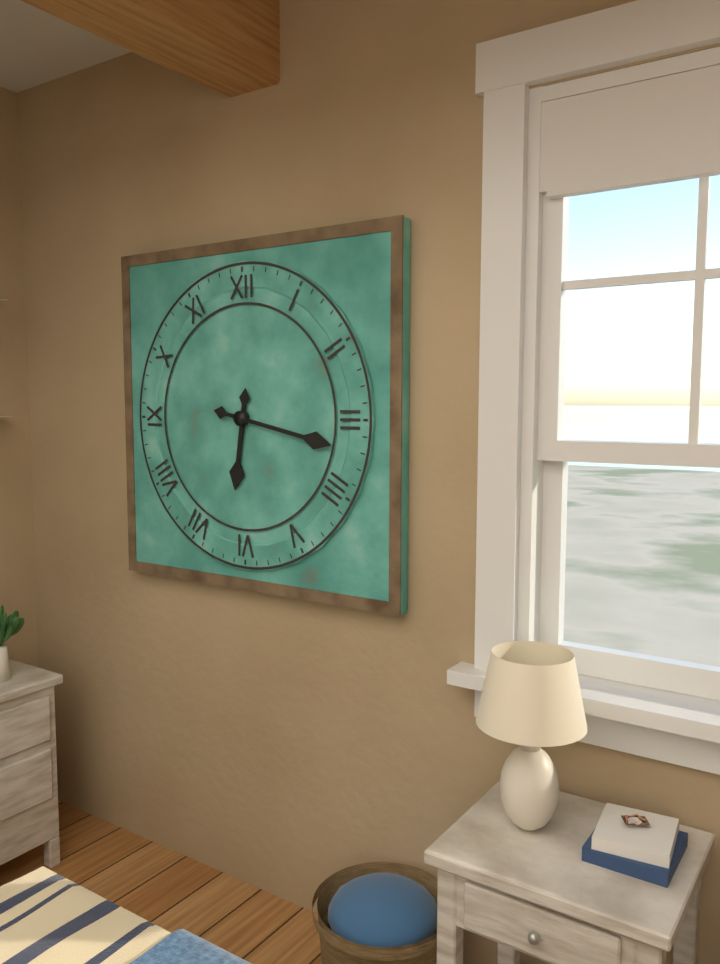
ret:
{"hour": 6, "minute": 17}
